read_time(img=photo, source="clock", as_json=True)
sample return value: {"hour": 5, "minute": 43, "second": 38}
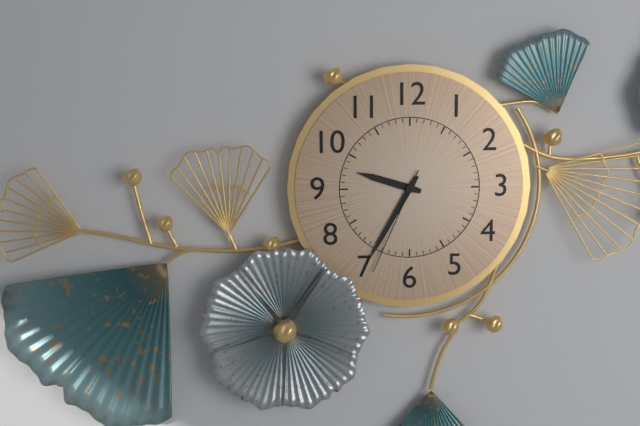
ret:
{"hour": 9, "minute": 35, "second": 34}
